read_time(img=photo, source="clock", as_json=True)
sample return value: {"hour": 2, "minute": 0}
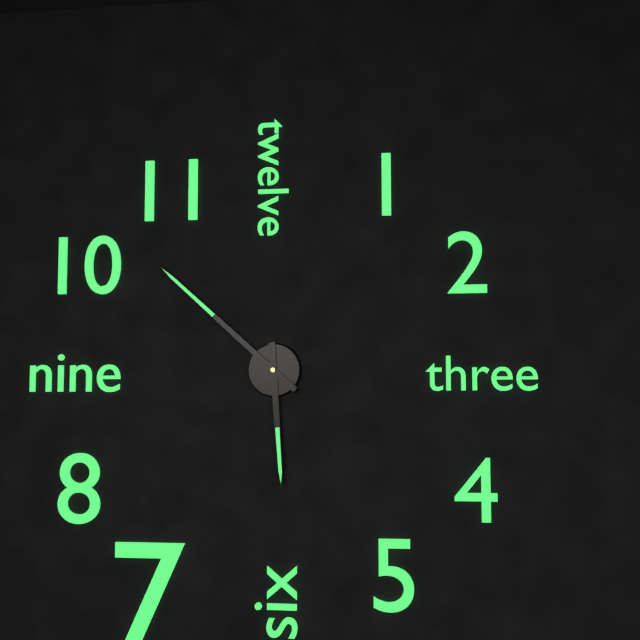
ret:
{"hour": 5, "minute": 52}
